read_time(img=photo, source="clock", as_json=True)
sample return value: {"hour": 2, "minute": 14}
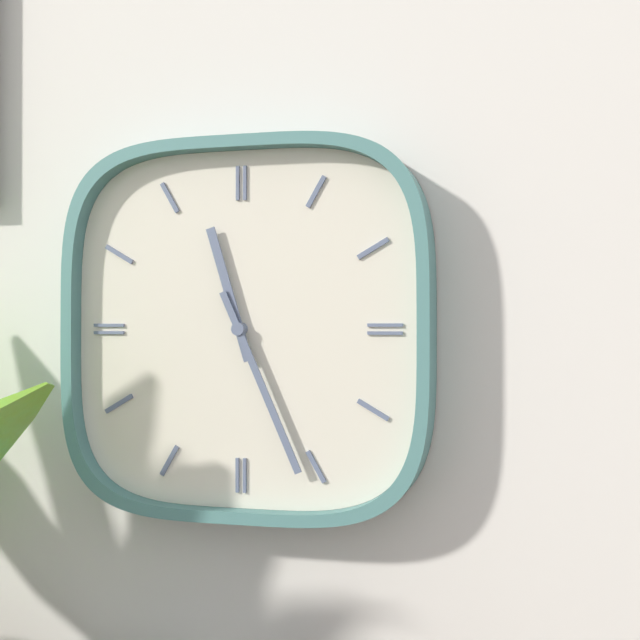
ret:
{"hour": 11, "minute": 26}
